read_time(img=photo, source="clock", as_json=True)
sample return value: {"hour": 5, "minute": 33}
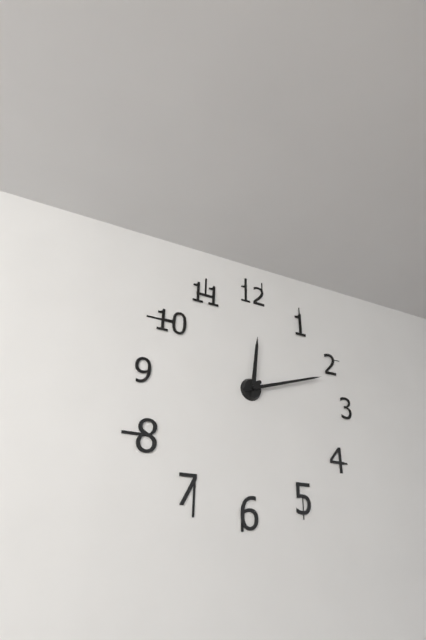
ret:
{"hour": 12, "minute": 12}
